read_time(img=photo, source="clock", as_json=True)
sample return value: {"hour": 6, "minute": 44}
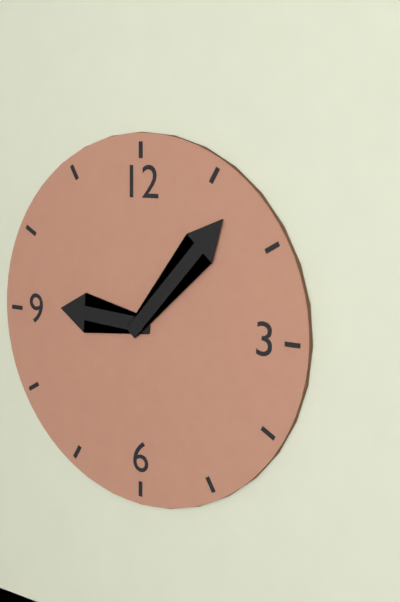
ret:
{"hour": 9, "minute": 7}
